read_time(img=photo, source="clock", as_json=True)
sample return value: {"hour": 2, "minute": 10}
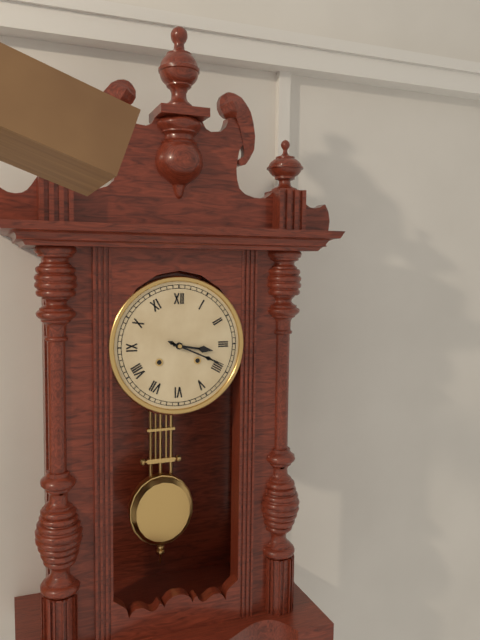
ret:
{"hour": 3, "minute": 19}
